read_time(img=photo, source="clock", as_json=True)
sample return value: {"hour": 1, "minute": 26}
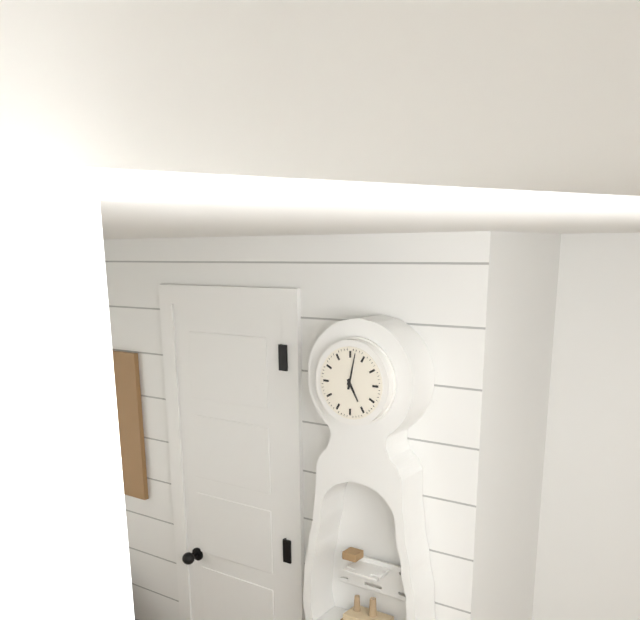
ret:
{"hour": 5, "minute": 2}
